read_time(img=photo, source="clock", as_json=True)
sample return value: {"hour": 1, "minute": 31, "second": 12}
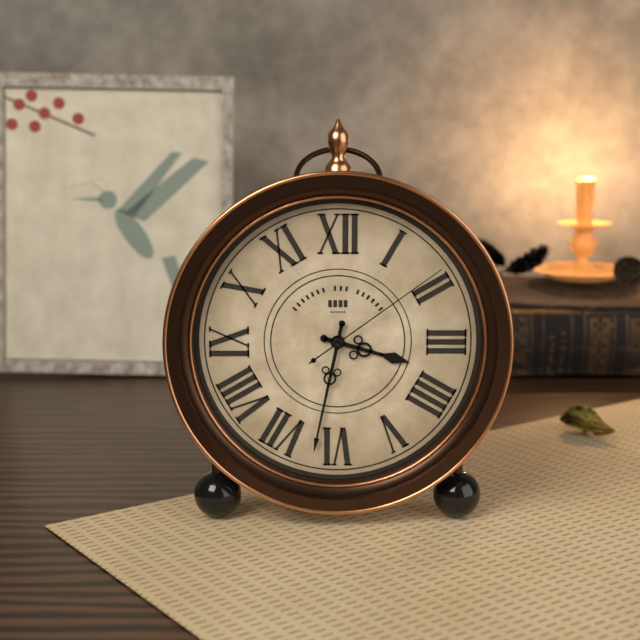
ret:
{"hour": 3, "minute": 32, "second": 9}
